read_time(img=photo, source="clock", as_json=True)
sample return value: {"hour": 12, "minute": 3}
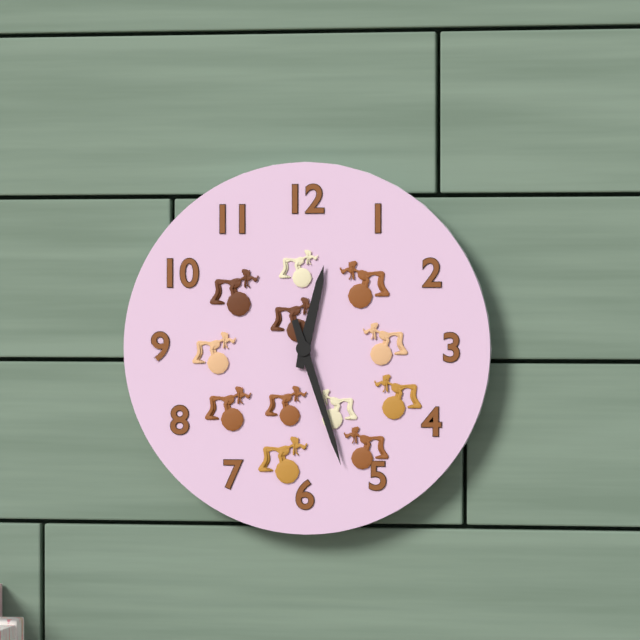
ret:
{"hour": 12, "minute": 27}
